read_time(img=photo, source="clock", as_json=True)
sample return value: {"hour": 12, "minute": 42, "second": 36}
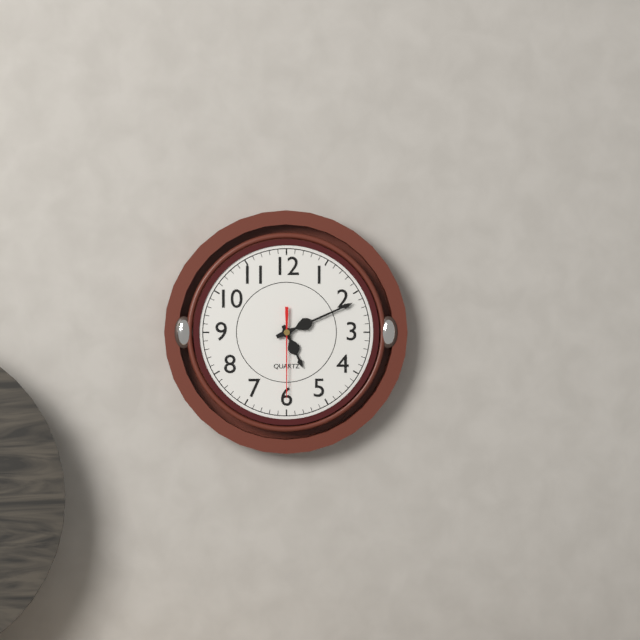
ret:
{"hour": 5, "minute": 11, "second": 30}
